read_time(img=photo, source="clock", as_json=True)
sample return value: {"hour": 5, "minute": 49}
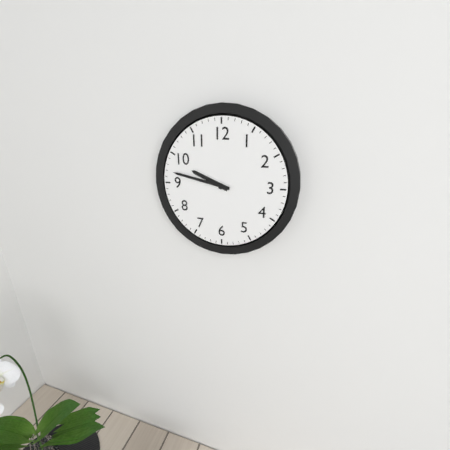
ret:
{"hour": 9, "minute": 47}
